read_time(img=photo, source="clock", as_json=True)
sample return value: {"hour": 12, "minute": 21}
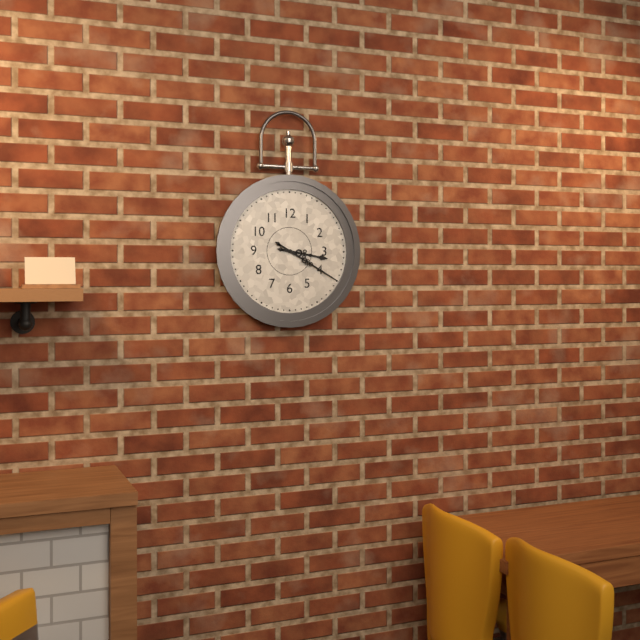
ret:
{"hour": 3, "minute": 20}
